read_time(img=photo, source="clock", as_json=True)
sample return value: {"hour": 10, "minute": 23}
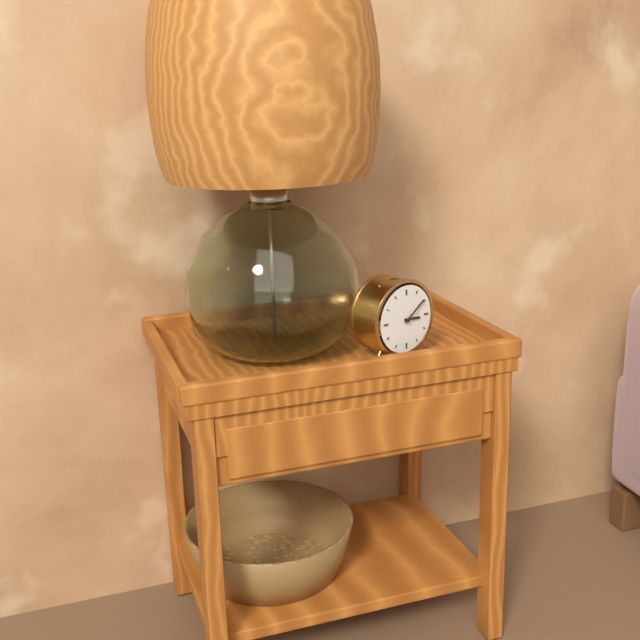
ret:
{"hour": 3, "minute": 9}
